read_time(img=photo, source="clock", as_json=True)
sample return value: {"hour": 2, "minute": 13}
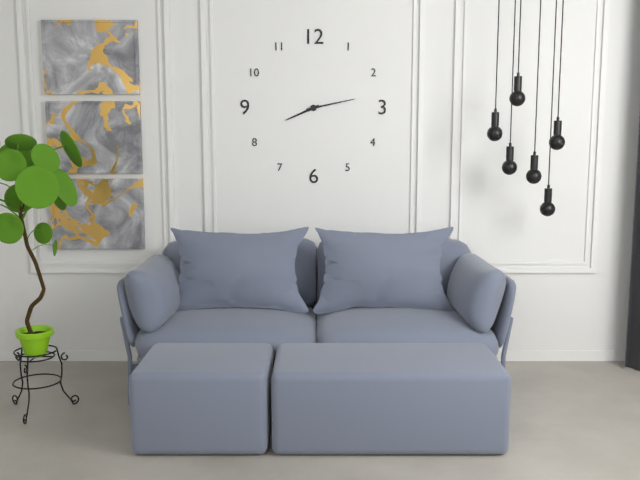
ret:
{"hour": 8, "minute": 13}
